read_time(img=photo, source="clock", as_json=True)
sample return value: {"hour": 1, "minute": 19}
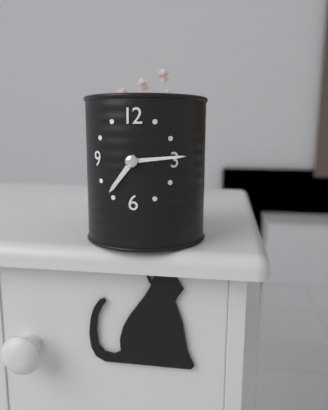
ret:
{"hour": 7, "minute": 14}
